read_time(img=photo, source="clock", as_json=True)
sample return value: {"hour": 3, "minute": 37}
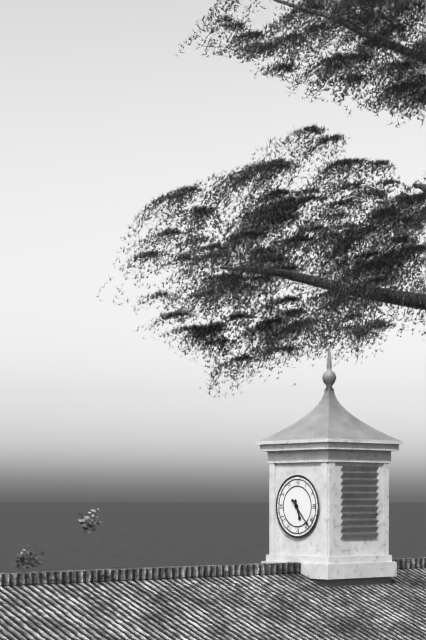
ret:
{"hour": 5, "minute": 23}
